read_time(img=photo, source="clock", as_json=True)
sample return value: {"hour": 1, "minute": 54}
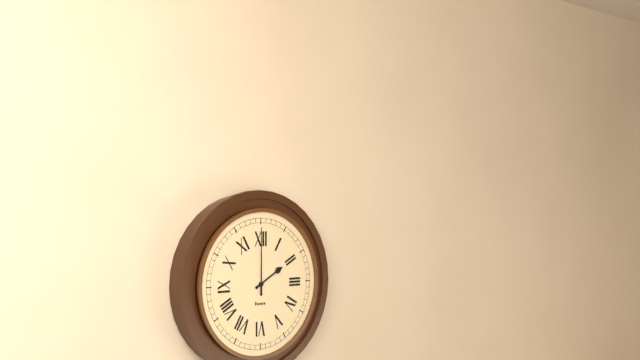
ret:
{"hour": 2, "minute": 0}
